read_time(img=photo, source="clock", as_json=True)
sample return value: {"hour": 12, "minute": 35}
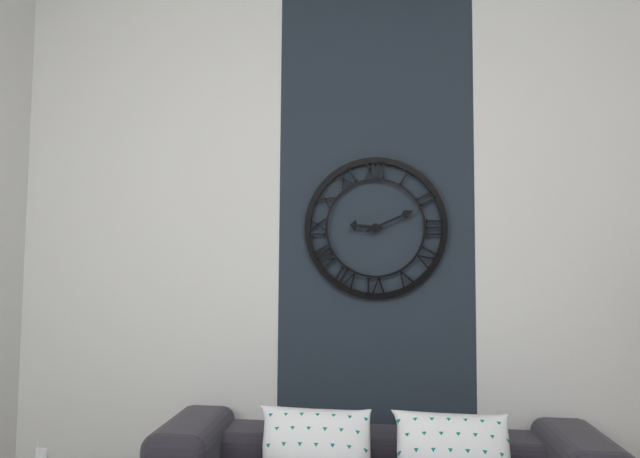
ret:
{"hour": 9, "minute": 11}
